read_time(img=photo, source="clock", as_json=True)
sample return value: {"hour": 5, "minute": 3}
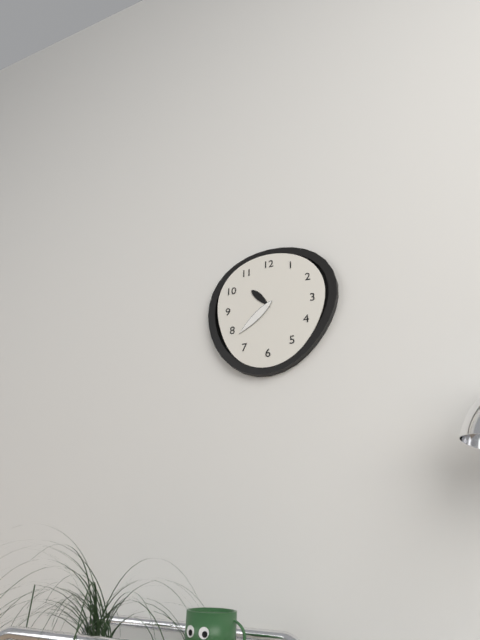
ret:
{"hour": 10, "minute": 38}
